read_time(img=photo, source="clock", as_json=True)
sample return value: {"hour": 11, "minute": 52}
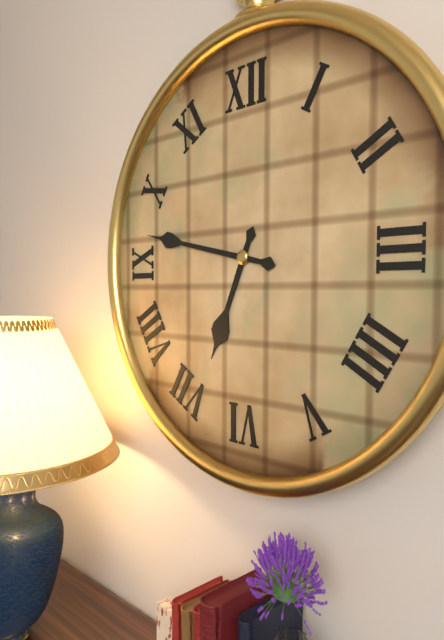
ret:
{"hour": 6, "minute": 47}
